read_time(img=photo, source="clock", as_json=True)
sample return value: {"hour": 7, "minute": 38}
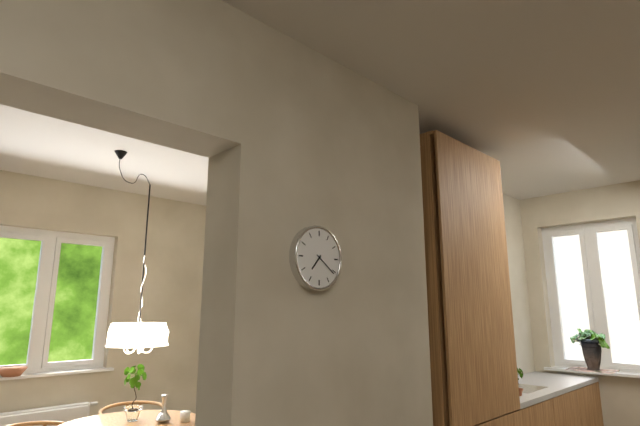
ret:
{"hour": 7, "minute": 21}
